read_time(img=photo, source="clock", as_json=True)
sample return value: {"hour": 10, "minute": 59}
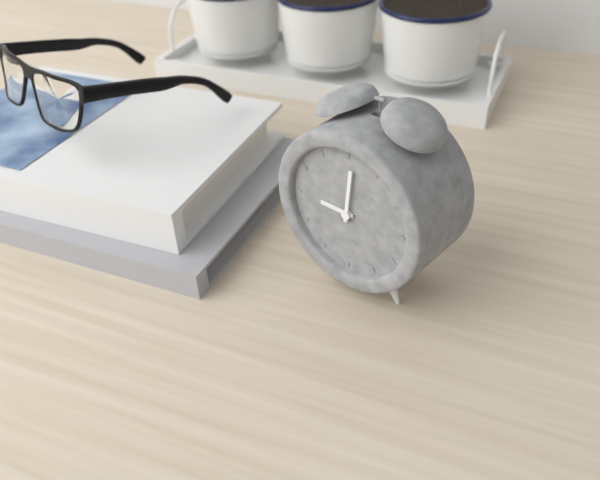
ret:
{"hour": 9, "minute": 1}
